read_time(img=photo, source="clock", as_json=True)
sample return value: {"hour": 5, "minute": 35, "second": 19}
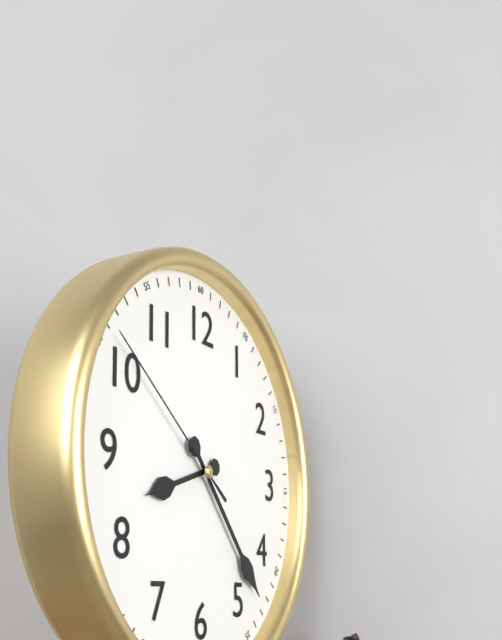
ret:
{"hour": 8, "minute": 23, "second": 51}
